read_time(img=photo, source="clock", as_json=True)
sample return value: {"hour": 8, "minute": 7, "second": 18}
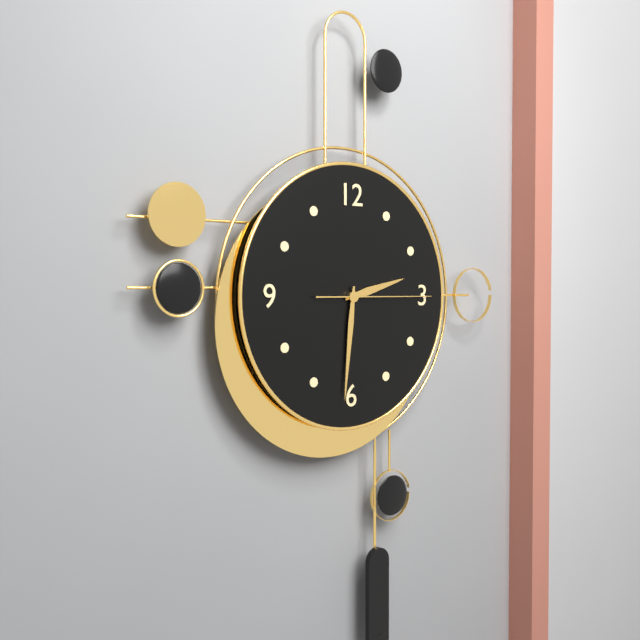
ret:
{"hour": 2, "minute": 31, "second": 15}
